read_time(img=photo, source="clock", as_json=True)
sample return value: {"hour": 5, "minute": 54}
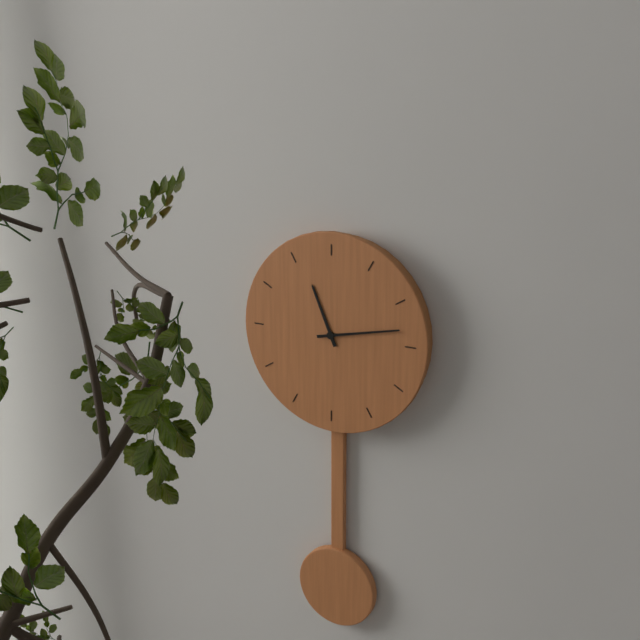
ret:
{"hour": 11, "minute": 13}
